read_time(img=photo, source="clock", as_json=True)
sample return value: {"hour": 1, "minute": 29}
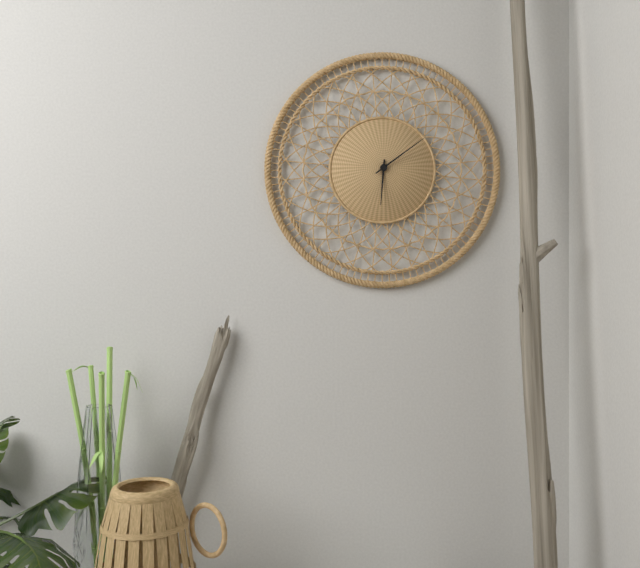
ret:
{"hour": 6, "minute": 9}
